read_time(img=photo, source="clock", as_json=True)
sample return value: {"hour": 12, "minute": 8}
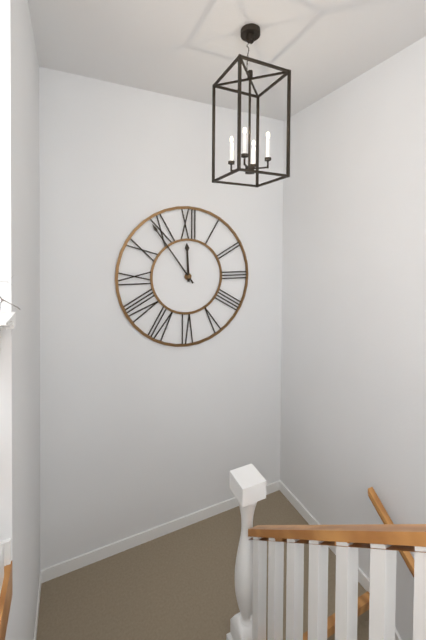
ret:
{"hour": 11, "minute": 54}
